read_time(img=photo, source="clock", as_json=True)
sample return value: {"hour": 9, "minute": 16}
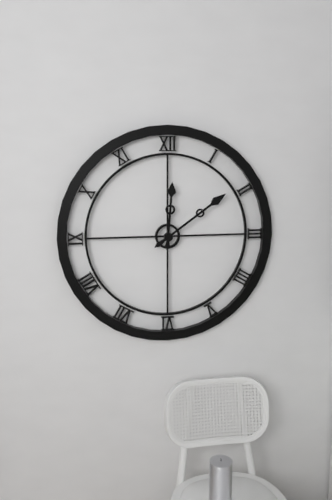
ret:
{"hour": 12, "minute": 9}
